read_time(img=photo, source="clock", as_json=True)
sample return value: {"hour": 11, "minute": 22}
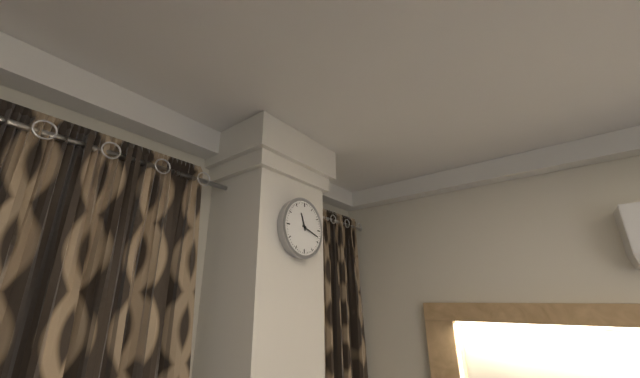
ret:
{"hour": 11, "minute": 18}
